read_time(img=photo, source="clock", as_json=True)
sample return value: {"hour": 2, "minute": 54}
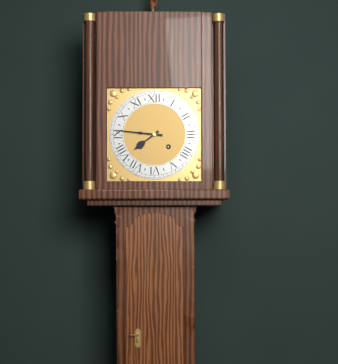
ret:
{"hour": 7, "minute": 46}
